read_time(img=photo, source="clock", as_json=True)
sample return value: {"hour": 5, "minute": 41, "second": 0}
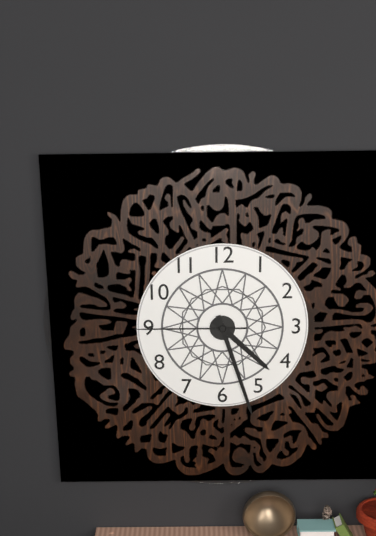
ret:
{"hour": 4, "minute": 27, "second": 45}
